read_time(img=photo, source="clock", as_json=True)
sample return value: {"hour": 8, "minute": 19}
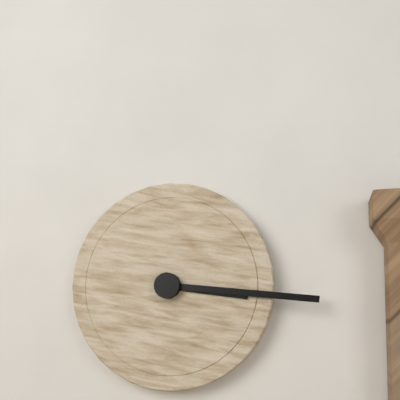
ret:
{"hour": 3, "minute": 16}
